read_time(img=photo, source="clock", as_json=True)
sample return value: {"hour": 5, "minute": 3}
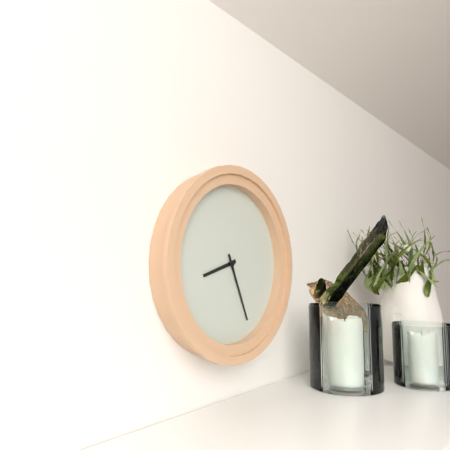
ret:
{"hour": 8, "minute": 26}
